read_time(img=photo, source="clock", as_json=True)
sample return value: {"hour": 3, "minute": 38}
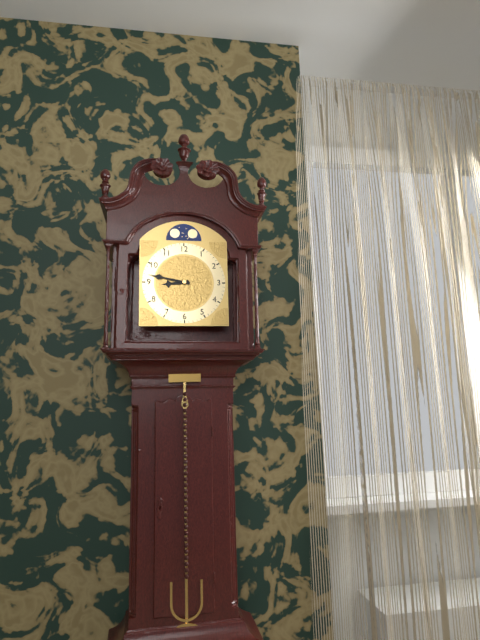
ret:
{"hour": 8, "minute": 47}
